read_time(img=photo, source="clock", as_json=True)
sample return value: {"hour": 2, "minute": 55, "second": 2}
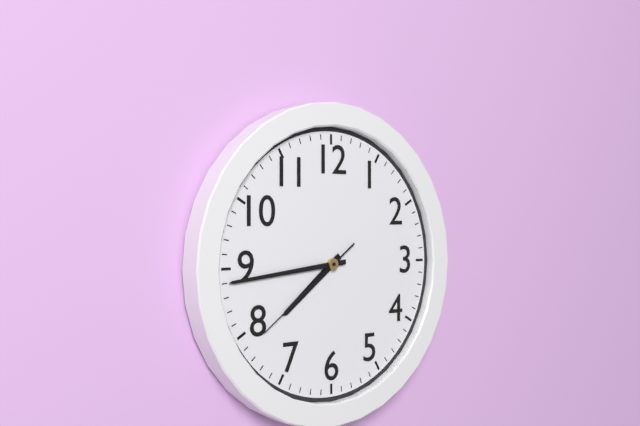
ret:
{"hour": 7, "minute": 44, "second": 39}
